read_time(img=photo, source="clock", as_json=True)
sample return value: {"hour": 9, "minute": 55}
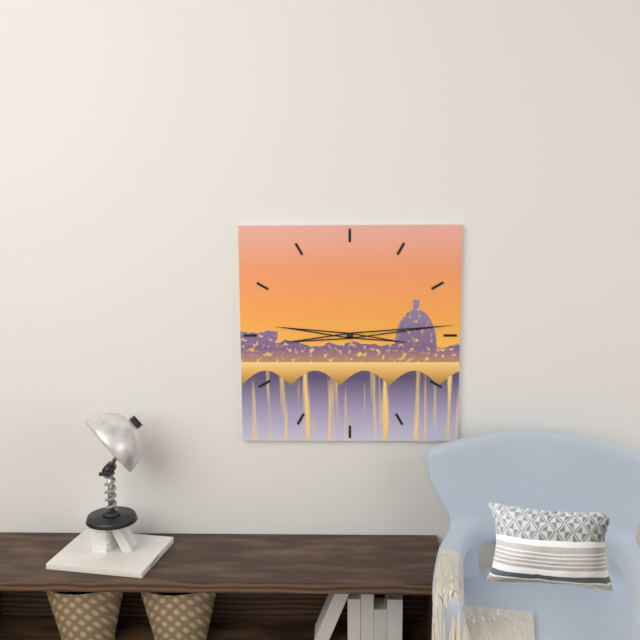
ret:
{"hour": 9, "minute": 14}
